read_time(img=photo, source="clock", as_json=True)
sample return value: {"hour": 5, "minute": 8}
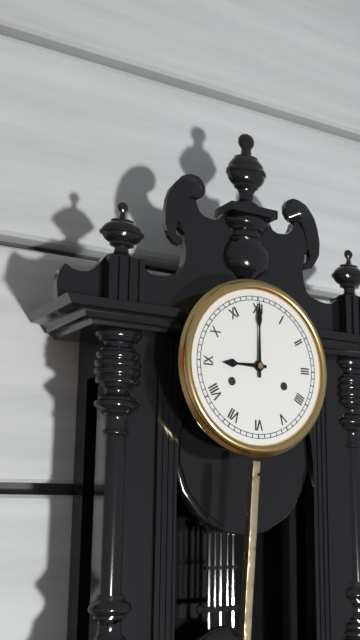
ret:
{"hour": 9, "minute": 0}
